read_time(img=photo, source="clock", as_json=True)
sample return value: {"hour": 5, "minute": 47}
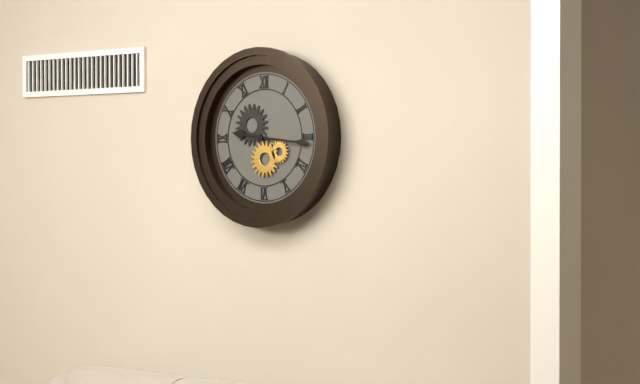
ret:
{"hour": 9, "minute": 16}
